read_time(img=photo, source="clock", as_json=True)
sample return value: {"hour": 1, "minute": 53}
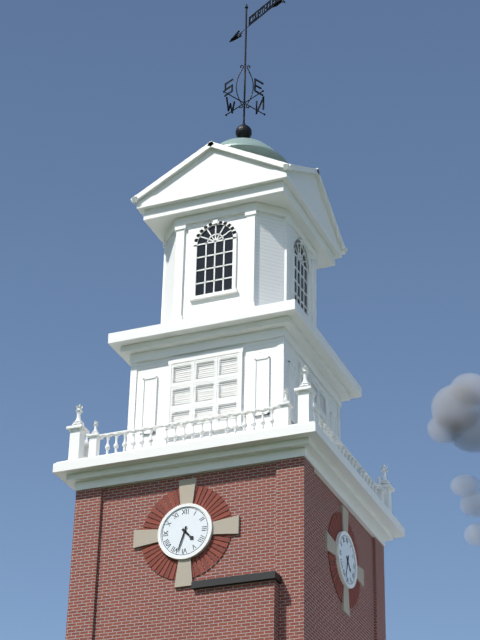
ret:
{"hour": 4, "minute": 33}
